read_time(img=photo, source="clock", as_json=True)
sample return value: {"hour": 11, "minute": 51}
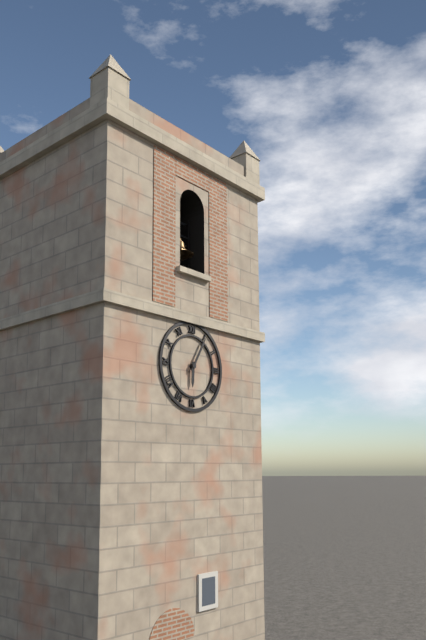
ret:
{"hour": 6, "minute": 5}
